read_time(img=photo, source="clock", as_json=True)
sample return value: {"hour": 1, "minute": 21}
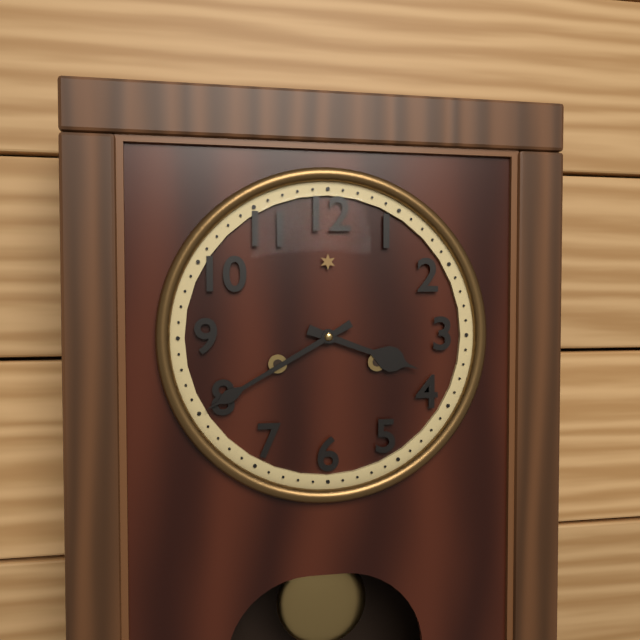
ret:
{"hour": 3, "minute": 40}
